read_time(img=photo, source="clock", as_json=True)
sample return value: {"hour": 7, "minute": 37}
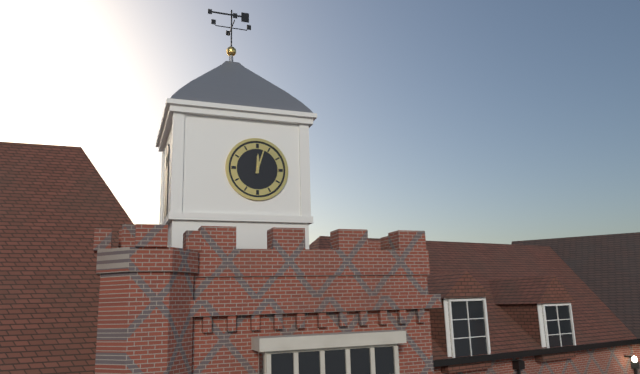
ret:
{"hour": 12, "minute": 3}
